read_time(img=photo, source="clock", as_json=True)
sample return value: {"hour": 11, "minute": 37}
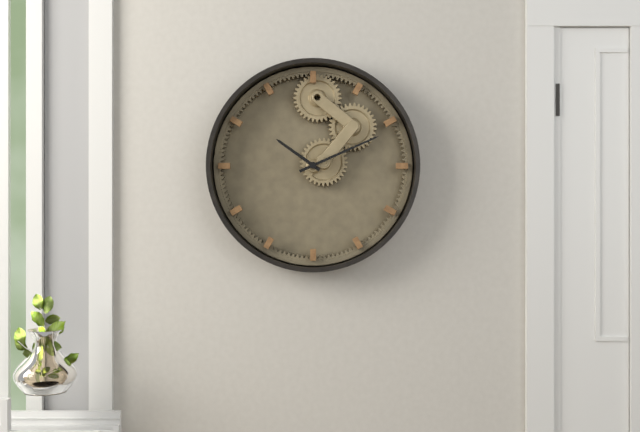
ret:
{"hour": 10, "minute": 11}
